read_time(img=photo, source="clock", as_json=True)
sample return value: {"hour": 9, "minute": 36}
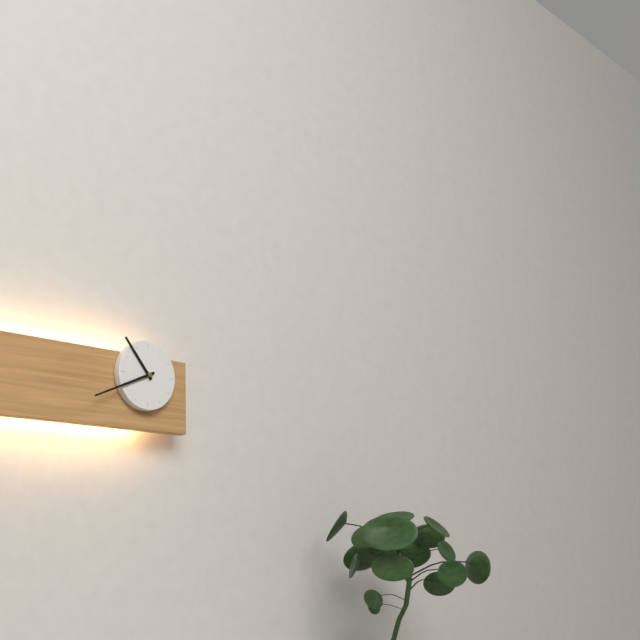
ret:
{"hour": 10, "minute": 41}
